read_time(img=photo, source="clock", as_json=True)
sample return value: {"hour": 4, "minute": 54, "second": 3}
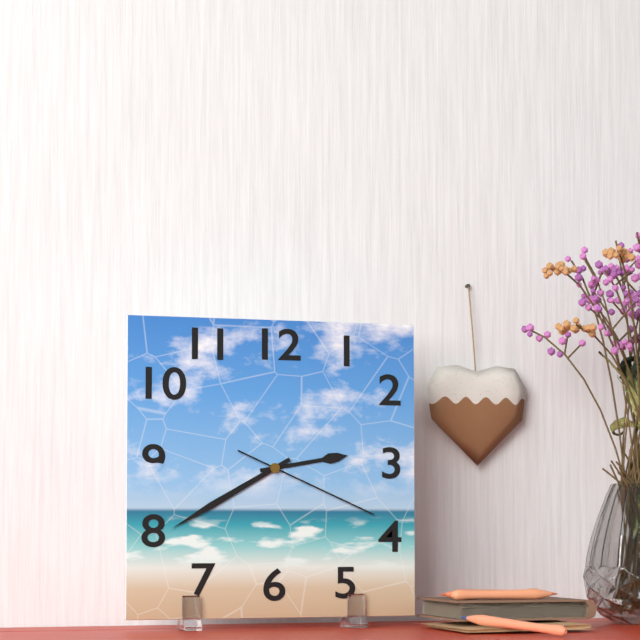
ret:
{"hour": 2, "minute": 40, "second": 19}
